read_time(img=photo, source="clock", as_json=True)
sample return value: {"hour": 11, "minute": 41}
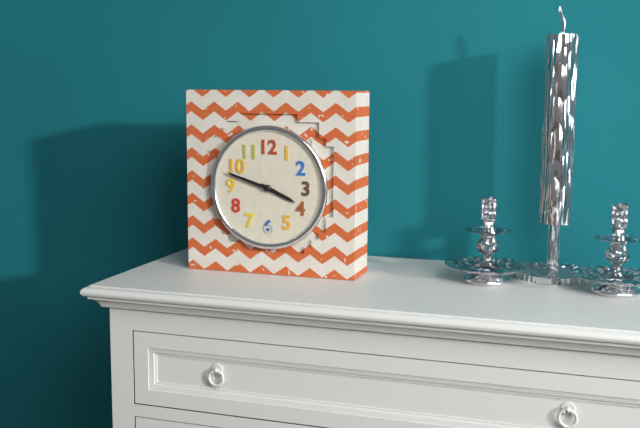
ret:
{"hour": 3, "minute": 48}
